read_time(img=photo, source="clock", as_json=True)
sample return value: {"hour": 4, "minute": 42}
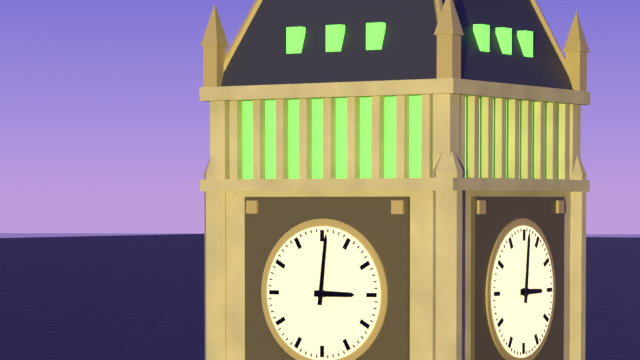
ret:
{"hour": 3, "minute": 1}
